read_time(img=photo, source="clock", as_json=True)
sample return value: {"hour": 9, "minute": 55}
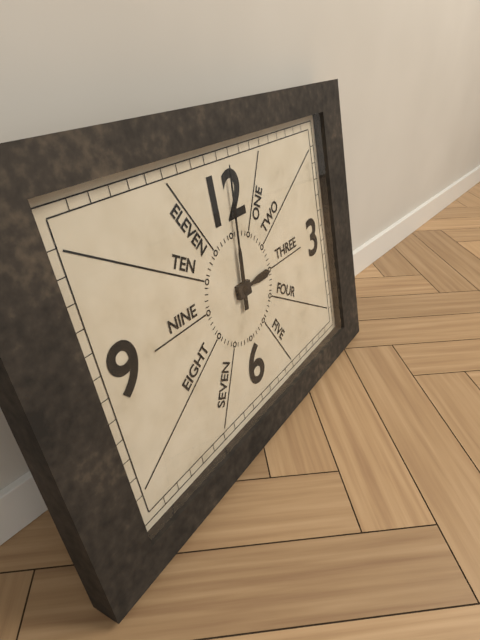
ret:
{"hour": 3, "minute": 1}
